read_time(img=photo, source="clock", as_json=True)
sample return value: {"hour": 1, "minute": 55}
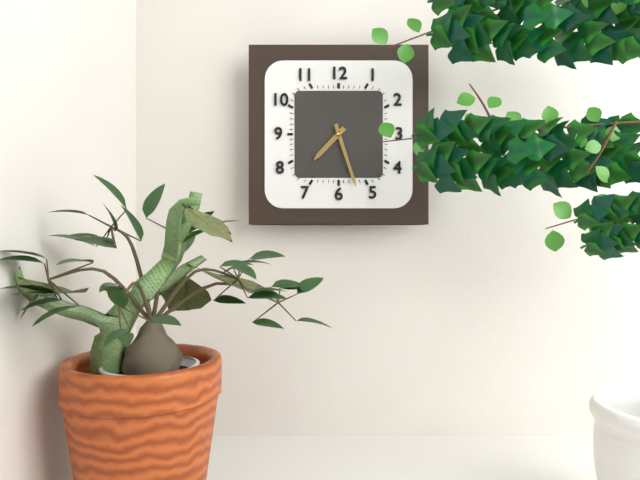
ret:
{"hour": 7, "minute": 27}
